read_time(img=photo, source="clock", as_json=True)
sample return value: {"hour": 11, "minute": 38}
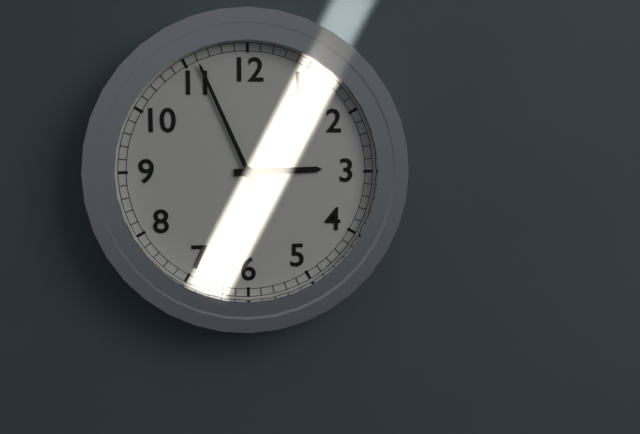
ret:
{"hour": 2, "minute": 56}
